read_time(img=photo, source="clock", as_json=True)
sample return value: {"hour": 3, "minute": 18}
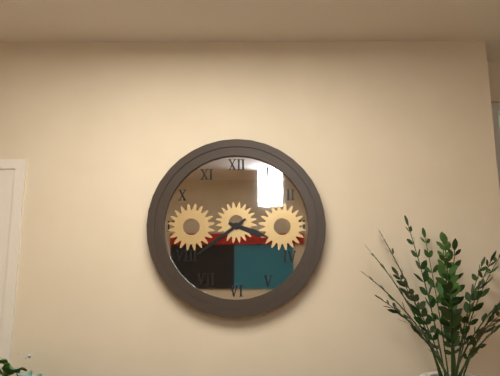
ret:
{"hour": 3, "minute": 39}
